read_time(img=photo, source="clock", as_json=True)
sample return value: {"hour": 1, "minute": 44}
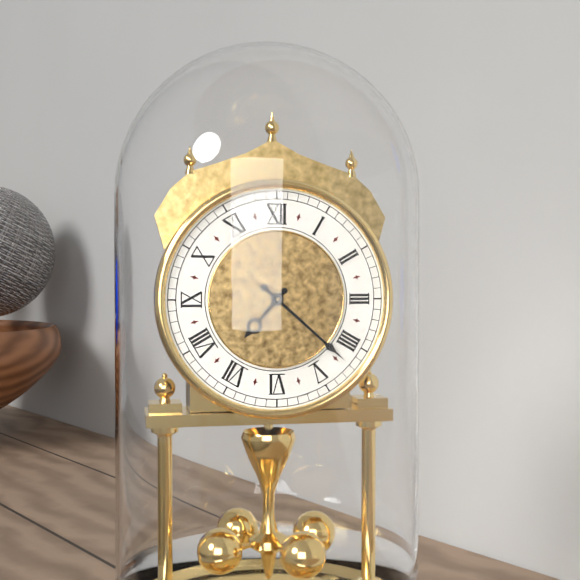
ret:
{"hour": 7, "minute": 22}
